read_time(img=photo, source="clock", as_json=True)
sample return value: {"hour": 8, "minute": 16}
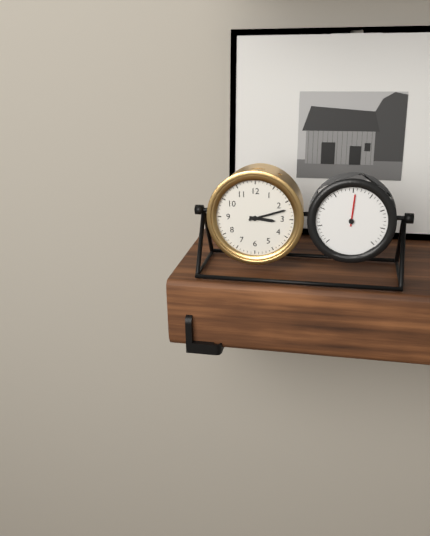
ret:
{"hour": 3, "minute": 12}
